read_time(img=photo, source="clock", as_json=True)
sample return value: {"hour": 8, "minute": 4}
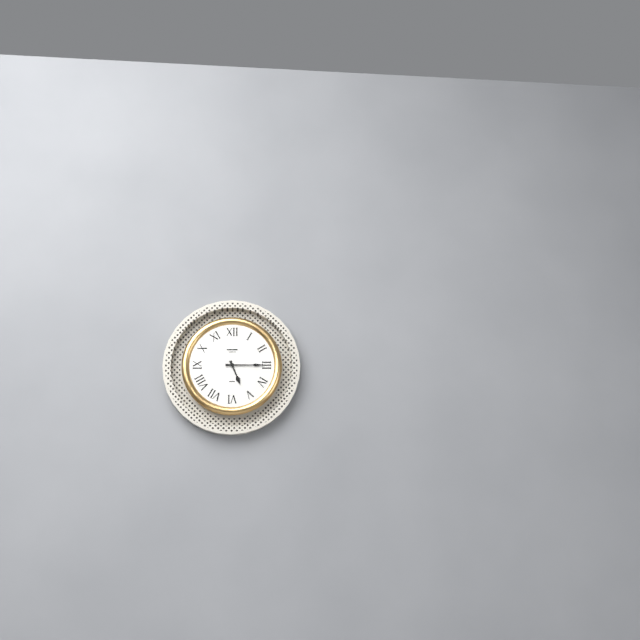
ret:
{"hour": 5, "minute": 15}
